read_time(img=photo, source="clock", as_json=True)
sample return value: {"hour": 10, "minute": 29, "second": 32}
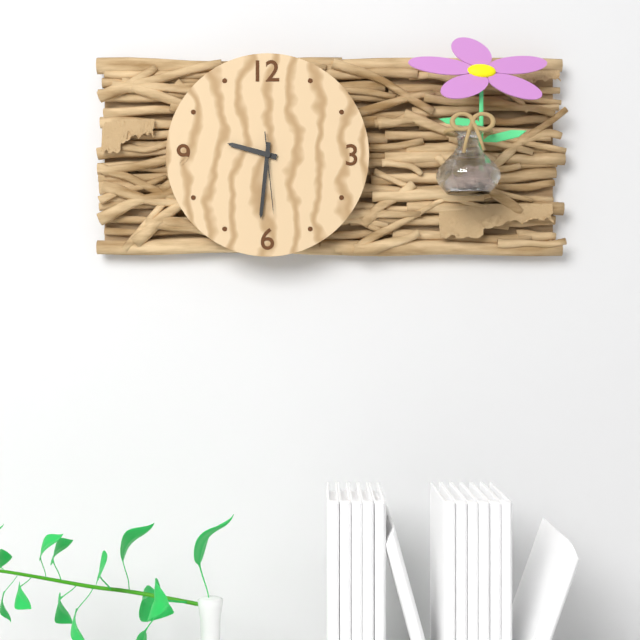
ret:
{"hour": 9, "minute": 31, "second": 29}
